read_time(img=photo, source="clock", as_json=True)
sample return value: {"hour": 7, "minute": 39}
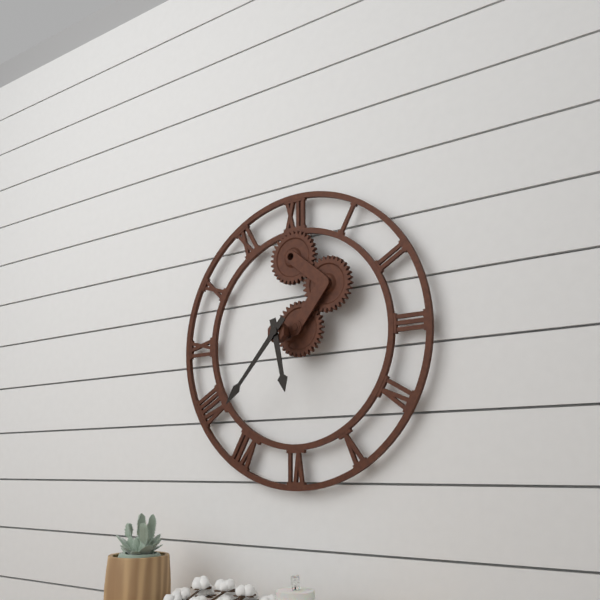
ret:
{"hour": 5, "minute": 37}
